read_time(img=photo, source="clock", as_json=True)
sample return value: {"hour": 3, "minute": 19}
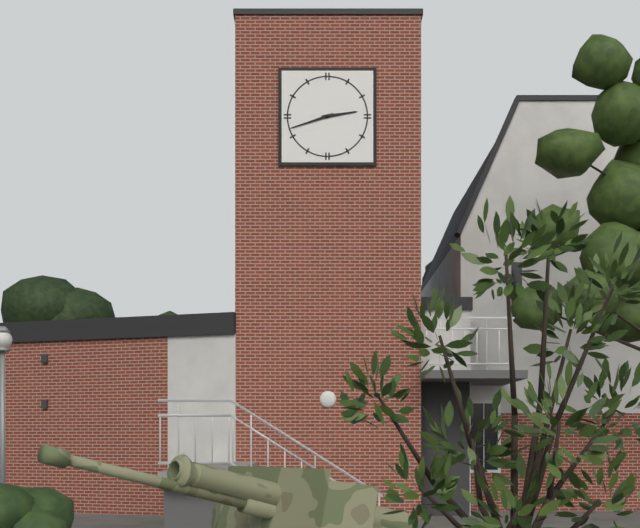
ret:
{"hour": 2, "minute": 42}
